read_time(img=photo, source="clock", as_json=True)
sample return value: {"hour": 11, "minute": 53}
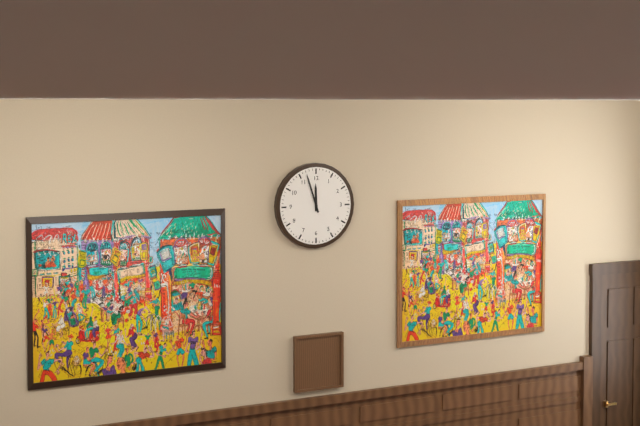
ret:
{"hour": 11, "minute": 57}
